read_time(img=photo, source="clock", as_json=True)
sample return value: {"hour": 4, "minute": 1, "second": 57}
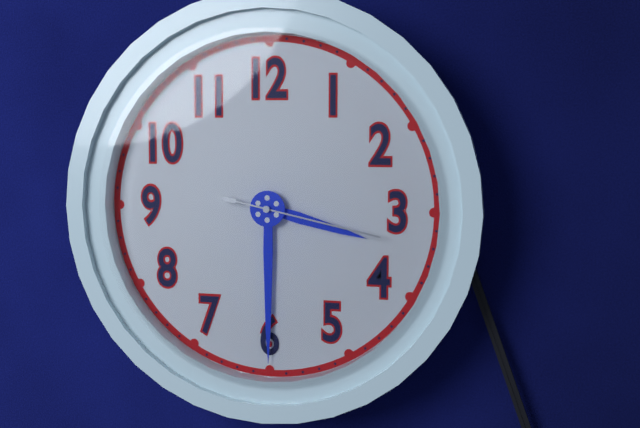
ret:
{"hour": 3, "minute": 30, "second": 17}
